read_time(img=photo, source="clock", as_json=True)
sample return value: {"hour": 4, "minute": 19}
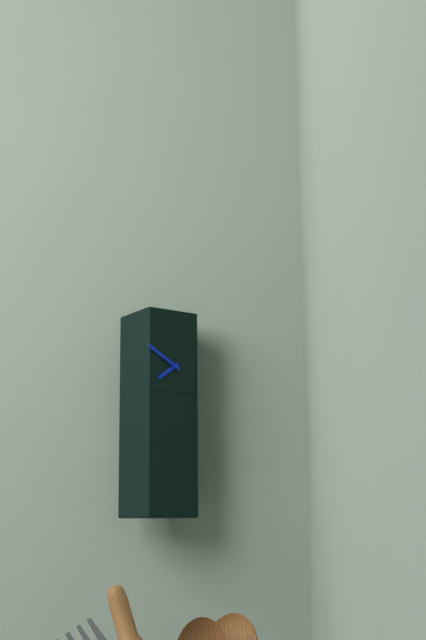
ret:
{"hour": 7, "minute": 50}
